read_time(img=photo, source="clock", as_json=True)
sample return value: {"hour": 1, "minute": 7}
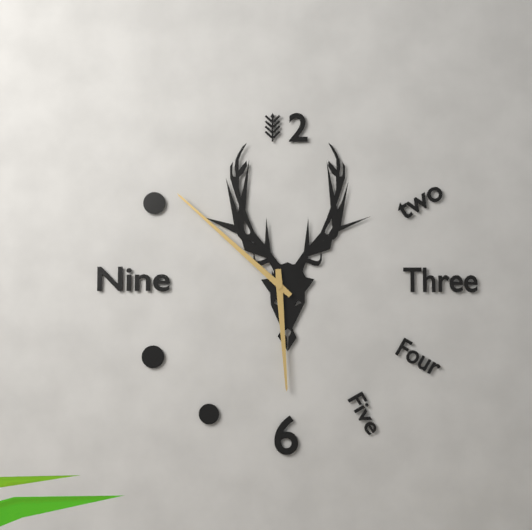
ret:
{"hour": 5, "minute": 52}
